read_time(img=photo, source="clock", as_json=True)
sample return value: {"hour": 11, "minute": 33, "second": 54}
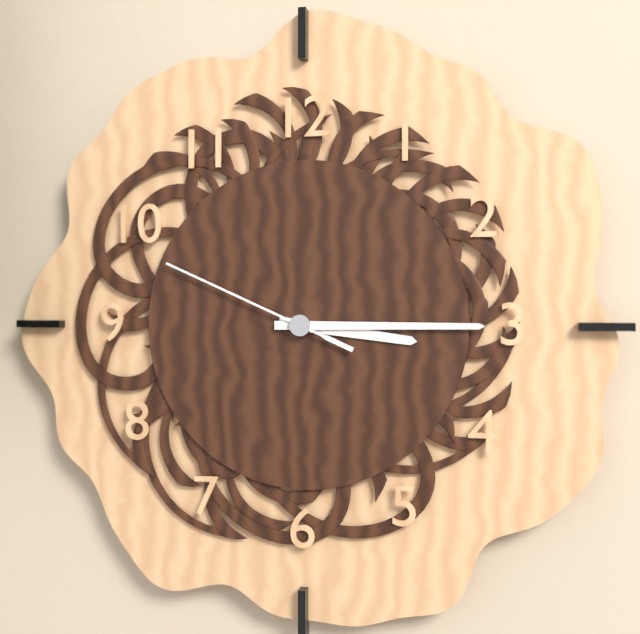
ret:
{"hour": 3, "minute": 15, "second": 49}
